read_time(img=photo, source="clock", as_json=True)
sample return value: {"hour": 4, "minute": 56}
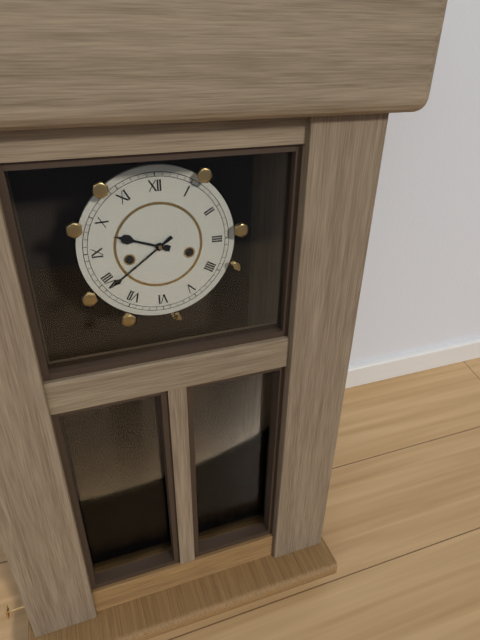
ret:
{"hour": 9, "minute": 39}
